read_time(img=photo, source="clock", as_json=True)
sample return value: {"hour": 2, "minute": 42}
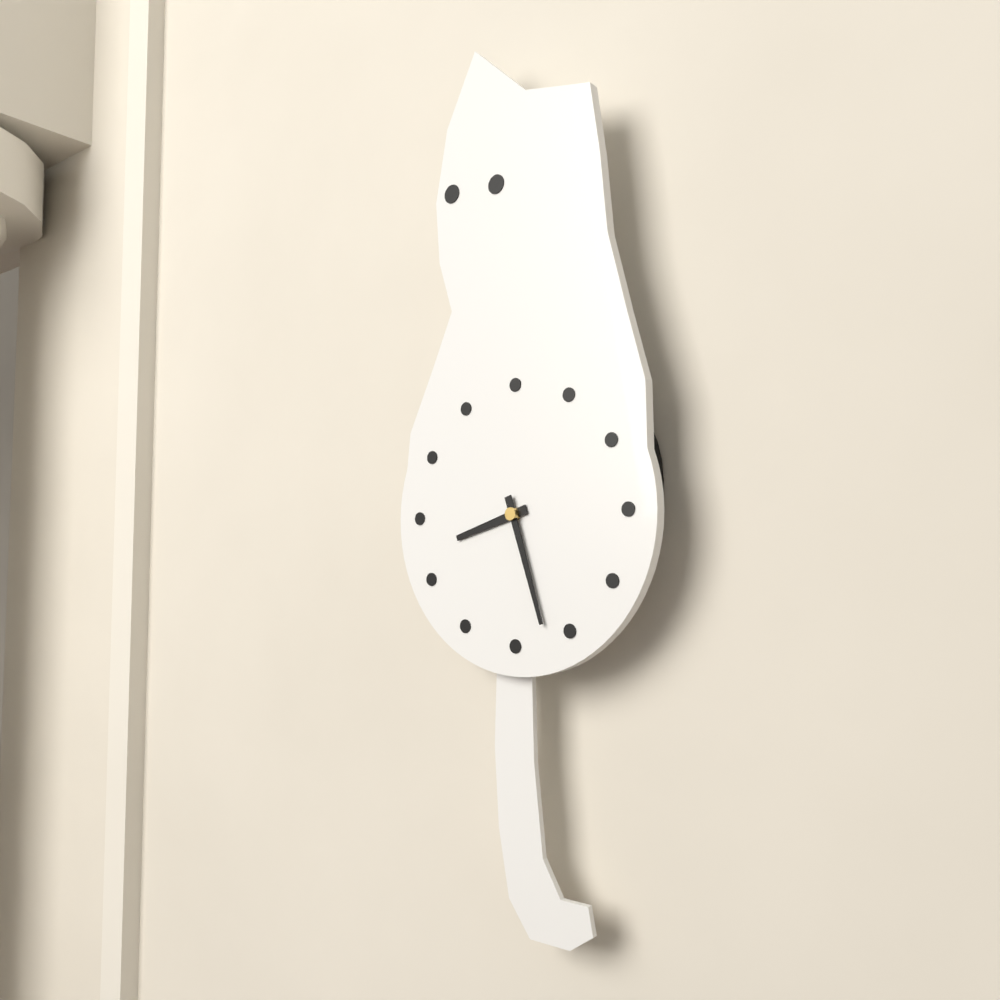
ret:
{"hour": 8, "minute": 27}
